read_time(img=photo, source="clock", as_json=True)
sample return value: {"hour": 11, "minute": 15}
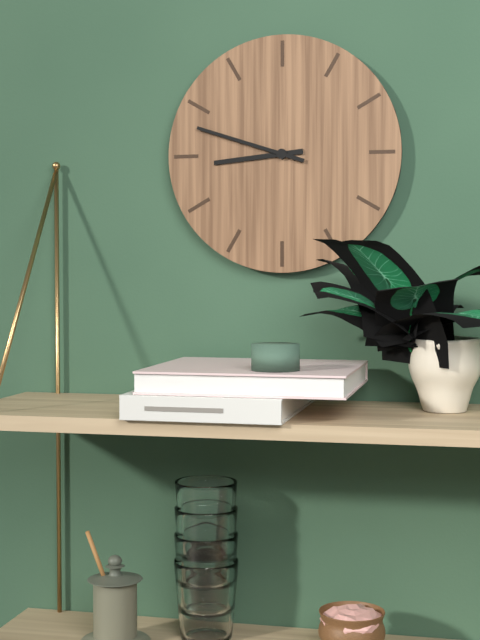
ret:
{"hour": 8, "minute": 48}
